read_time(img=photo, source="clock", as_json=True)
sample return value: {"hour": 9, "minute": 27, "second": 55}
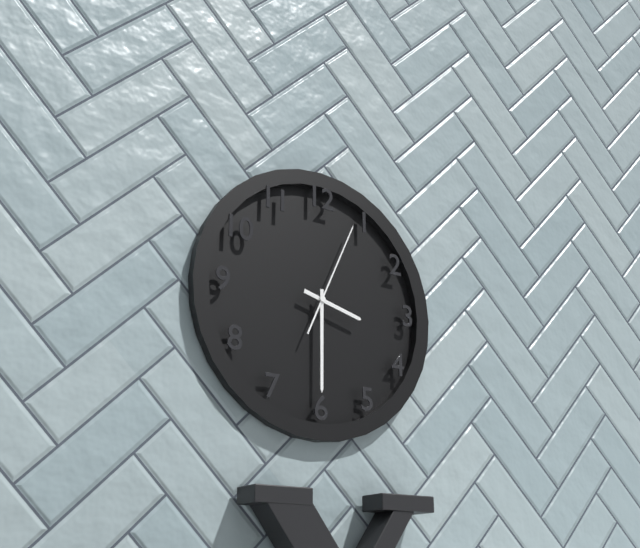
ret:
{"hour": 3, "minute": 30, "second": 4}
